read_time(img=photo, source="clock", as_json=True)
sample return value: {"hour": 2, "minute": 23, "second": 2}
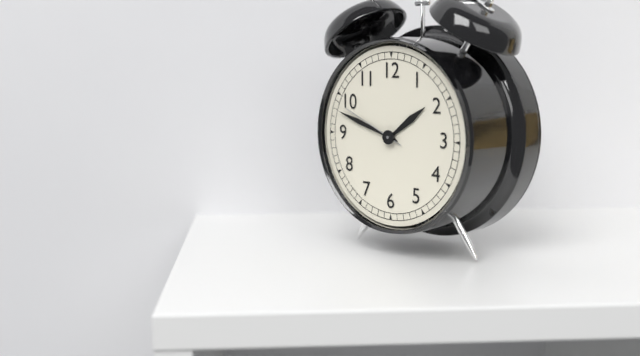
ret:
{"hour": 1, "minute": 48, "second": 49}
